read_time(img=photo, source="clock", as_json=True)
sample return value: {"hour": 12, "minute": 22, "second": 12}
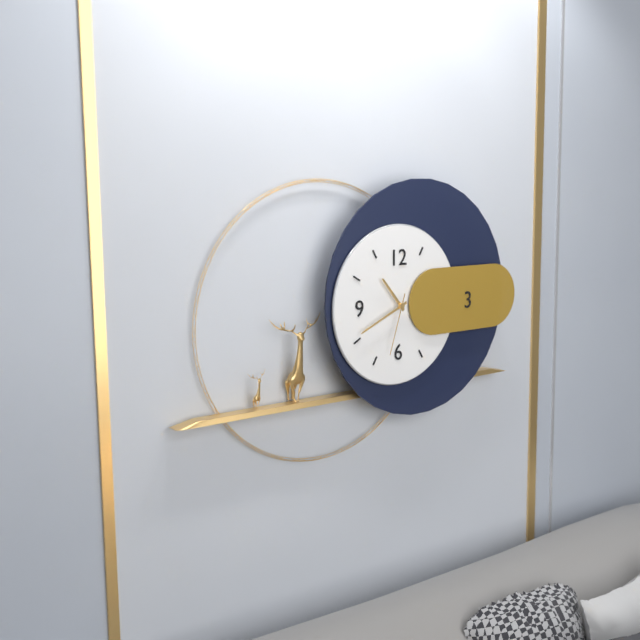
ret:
{"hour": 10, "minute": 41, "second": 33}
